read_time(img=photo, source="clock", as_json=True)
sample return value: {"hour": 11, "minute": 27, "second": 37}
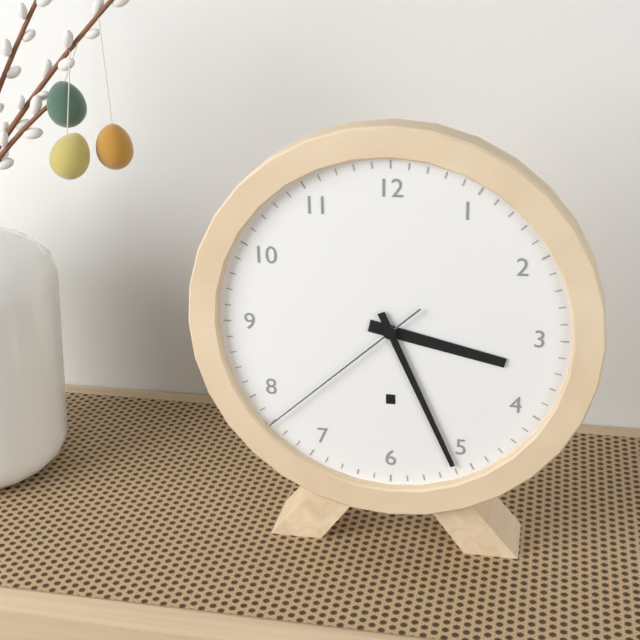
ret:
{"hour": 3, "minute": 26, "second": 38}
